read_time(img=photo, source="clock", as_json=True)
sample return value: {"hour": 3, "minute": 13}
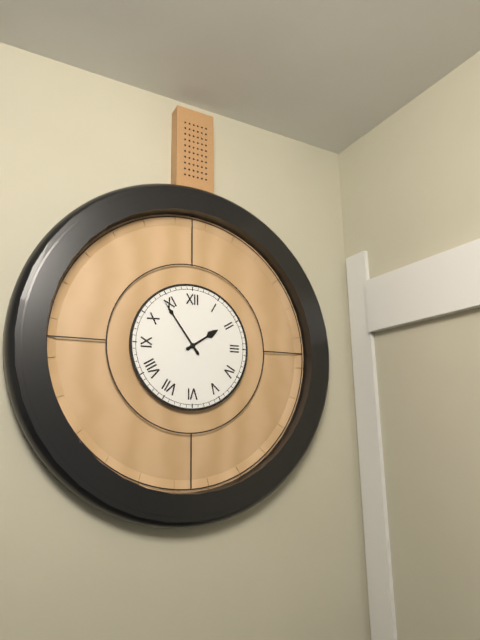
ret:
{"hour": 1, "minute": 54}
